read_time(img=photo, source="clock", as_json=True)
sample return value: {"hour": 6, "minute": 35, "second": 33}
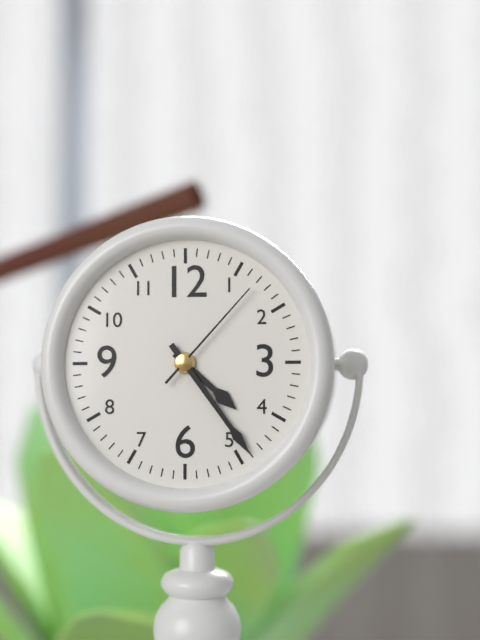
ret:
{"hour": 4, "minute": 24, "second": 7}
